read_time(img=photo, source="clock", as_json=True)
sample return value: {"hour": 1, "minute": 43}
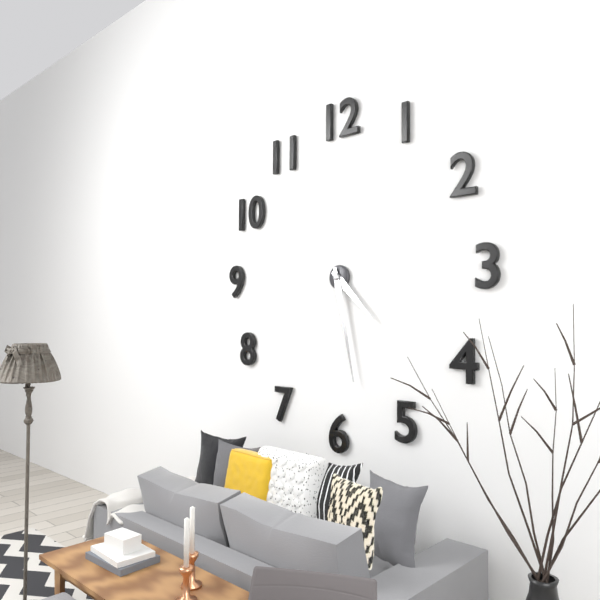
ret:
{"hour": 4, "minute": 28}
